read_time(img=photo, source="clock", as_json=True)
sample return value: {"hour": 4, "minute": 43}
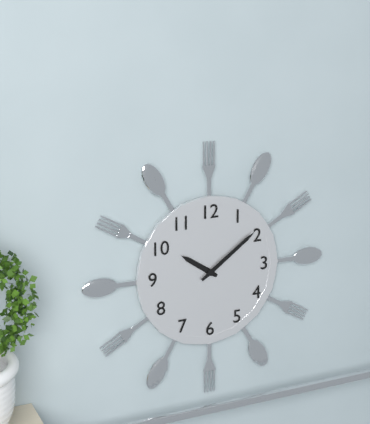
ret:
{"hour": 10, "minute": 9}
